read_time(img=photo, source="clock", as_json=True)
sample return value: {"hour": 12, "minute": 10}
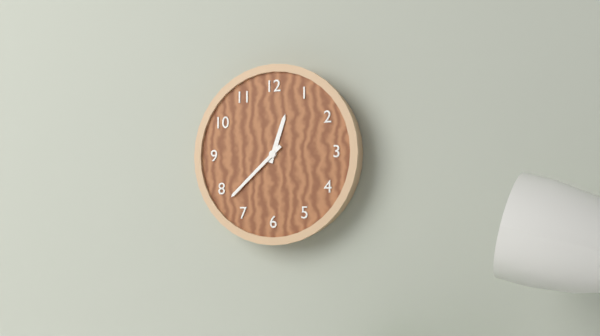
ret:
{"hour": 12, "minute": 38}
